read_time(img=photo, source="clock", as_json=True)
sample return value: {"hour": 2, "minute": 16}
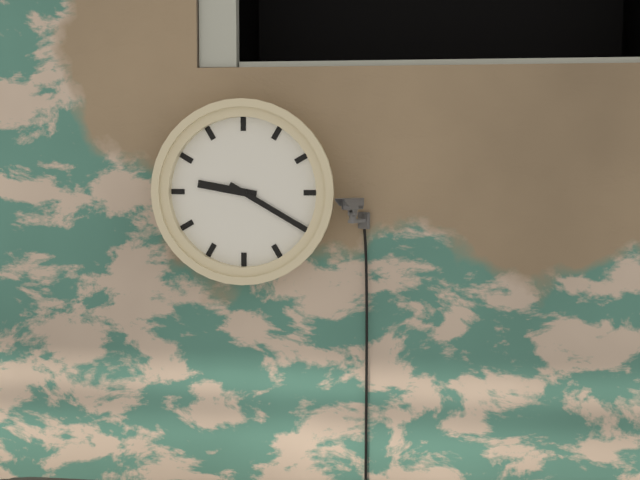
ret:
{"hour": 9, "minute": 20}
